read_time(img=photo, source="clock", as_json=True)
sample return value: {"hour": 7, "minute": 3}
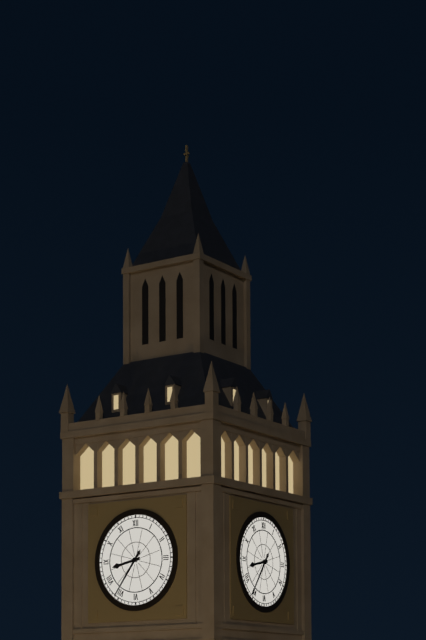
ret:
{"hour": 8, "minute": 36}
